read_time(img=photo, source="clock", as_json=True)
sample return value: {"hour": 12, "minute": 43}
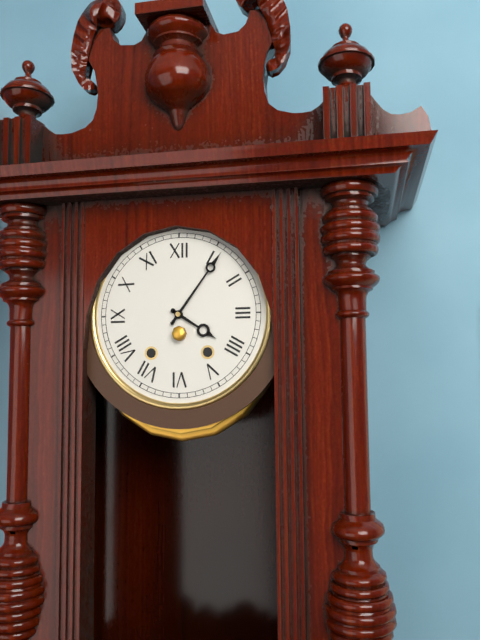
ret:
{"hour": 4, "minute": 6}
